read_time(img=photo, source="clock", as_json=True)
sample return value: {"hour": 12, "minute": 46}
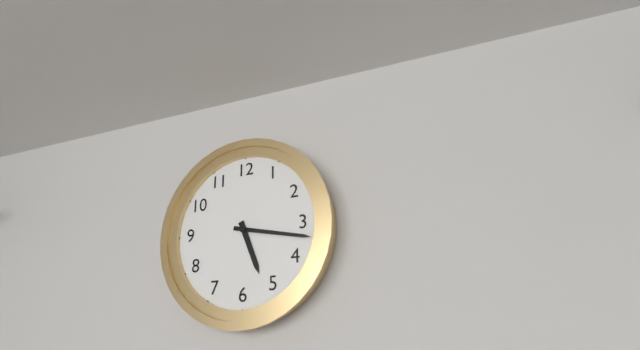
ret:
{"hour": 5, "minute": 17}
